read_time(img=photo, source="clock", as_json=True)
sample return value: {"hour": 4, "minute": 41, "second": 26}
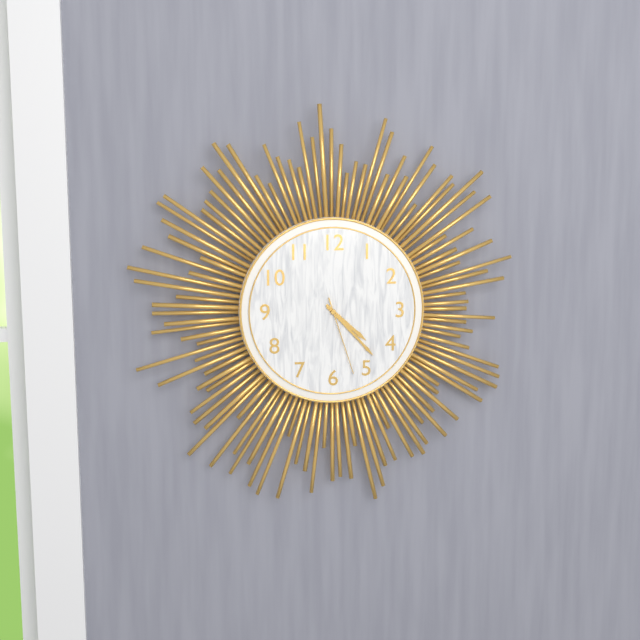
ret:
{"hour": 4, "minute": 23, "second": 27}
